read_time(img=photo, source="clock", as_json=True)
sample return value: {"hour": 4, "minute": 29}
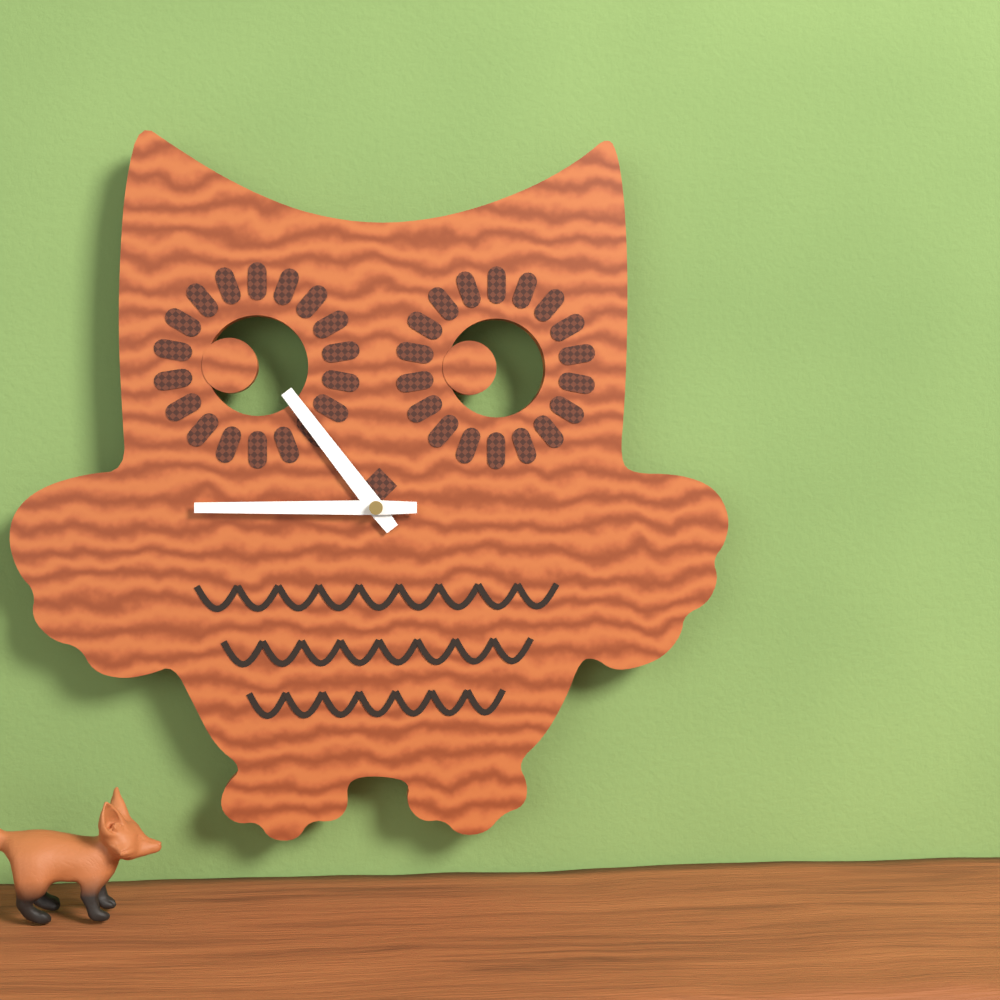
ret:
{"hour": 10, "minute": 45}
